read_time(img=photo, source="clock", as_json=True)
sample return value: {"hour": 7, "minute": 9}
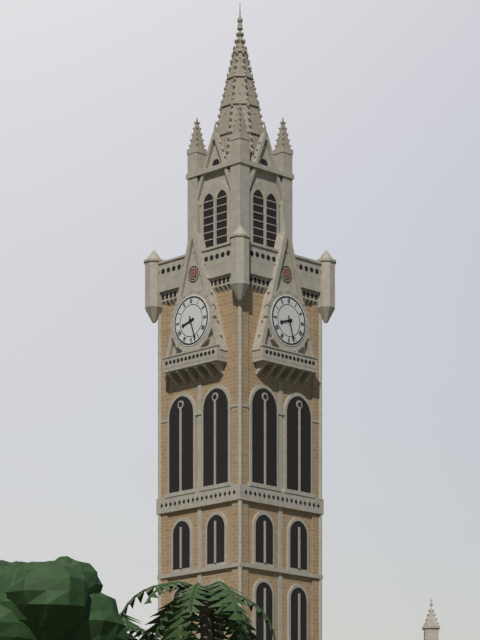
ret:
{"hour": 8, "minute": 27}
